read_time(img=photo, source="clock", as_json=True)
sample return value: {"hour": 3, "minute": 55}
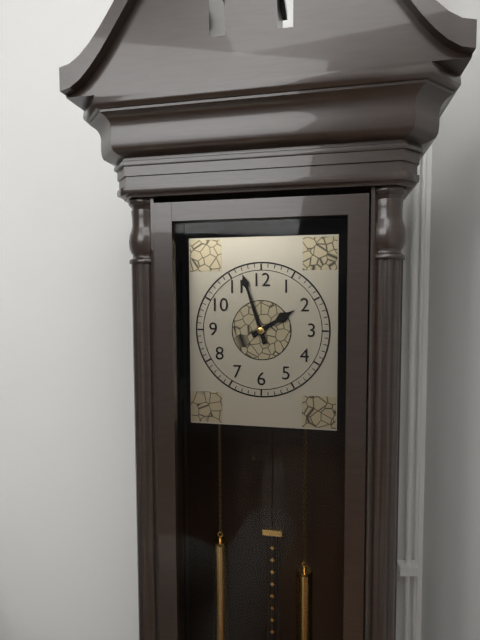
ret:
{"hour": 1, "minute": 57}
